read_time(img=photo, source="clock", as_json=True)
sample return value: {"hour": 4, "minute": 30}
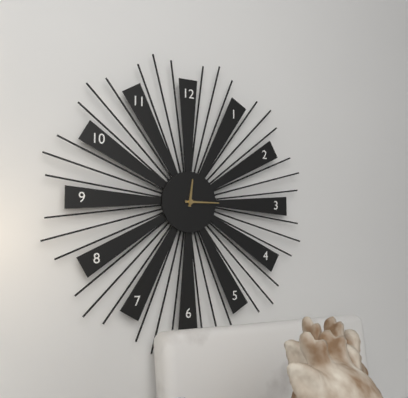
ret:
{"hour": 12, "minute": 15}
